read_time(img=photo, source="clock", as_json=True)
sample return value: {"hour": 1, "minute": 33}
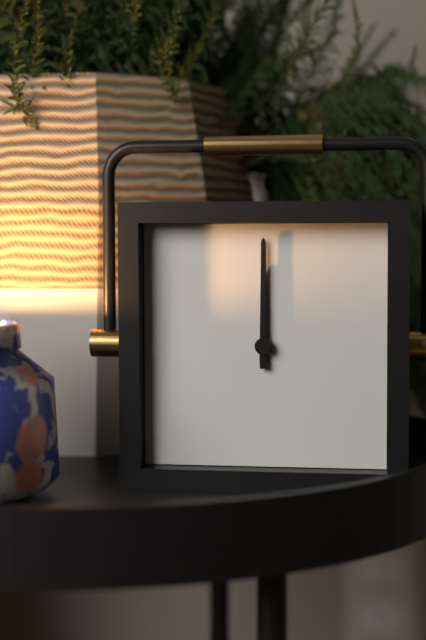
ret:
{"hour": 12, "minute": 0}
